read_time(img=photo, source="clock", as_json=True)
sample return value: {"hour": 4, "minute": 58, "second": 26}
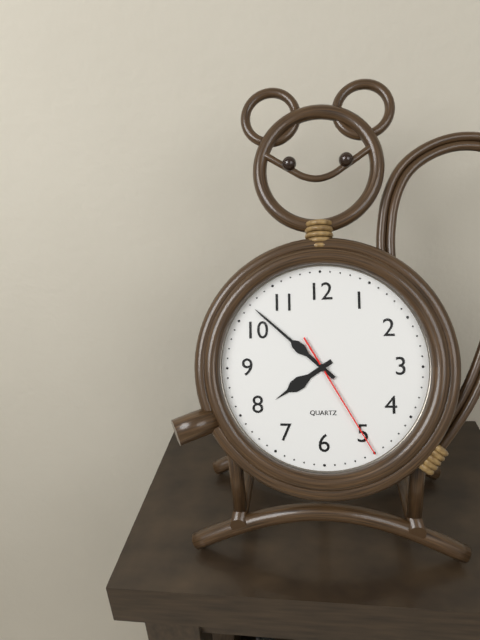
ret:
{"hour": 7, "minute": 52, "second": 25}
